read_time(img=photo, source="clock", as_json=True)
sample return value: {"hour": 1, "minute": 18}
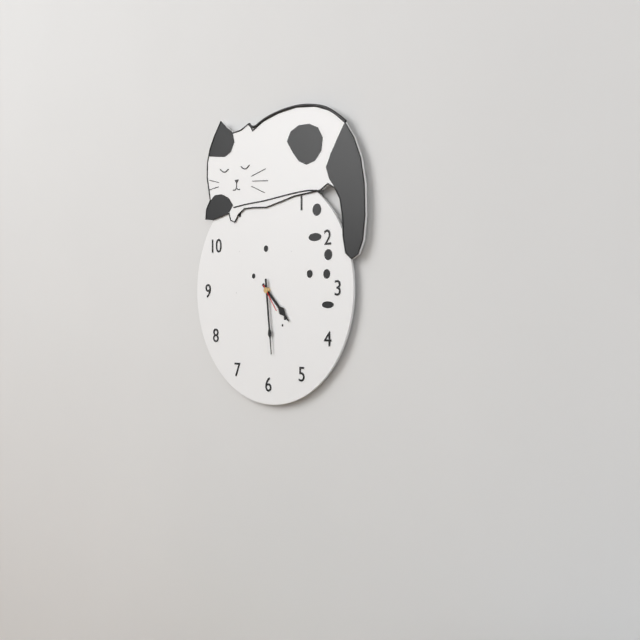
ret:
{"hour": 4, "minute": 29}
